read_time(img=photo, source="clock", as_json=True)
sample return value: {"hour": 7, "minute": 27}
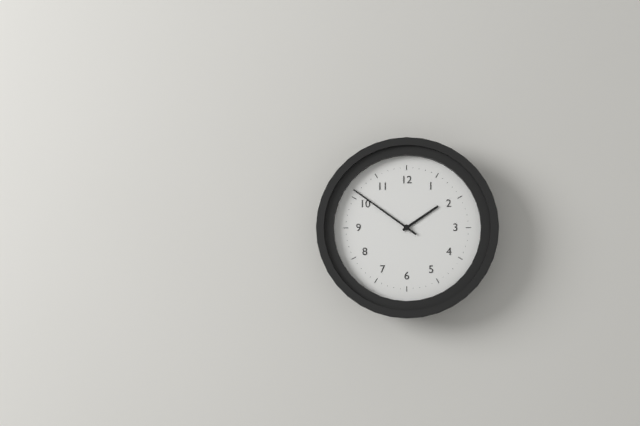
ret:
{"hour": 1, "minute": 51}
